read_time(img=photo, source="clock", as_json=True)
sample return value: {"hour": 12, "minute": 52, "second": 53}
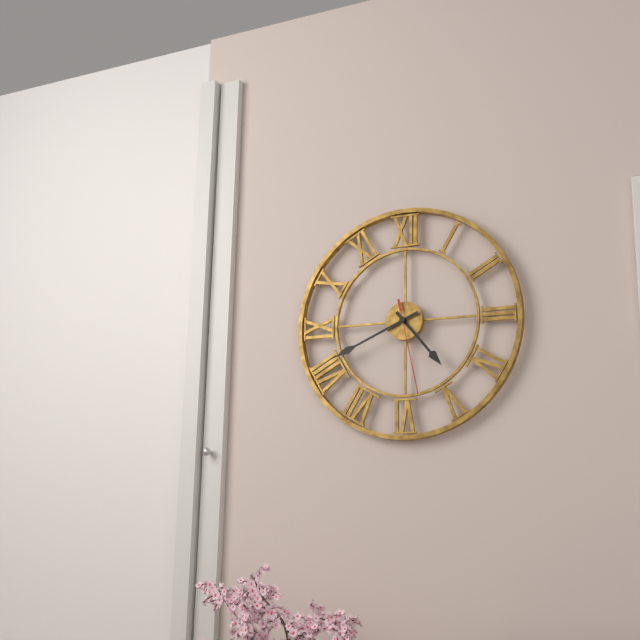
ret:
{"hour": 4, "minute": 41, "second": 28}
